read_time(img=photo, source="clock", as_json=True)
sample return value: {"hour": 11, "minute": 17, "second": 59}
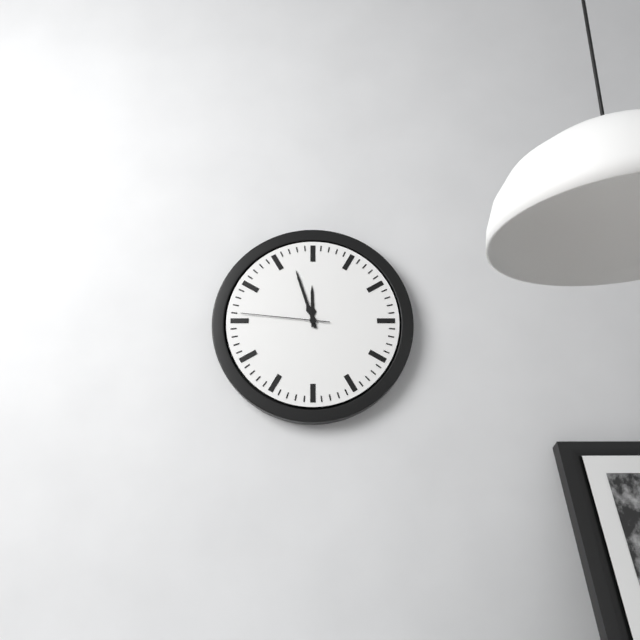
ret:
{"hour": 11, "minute": 57, "second": 46}
